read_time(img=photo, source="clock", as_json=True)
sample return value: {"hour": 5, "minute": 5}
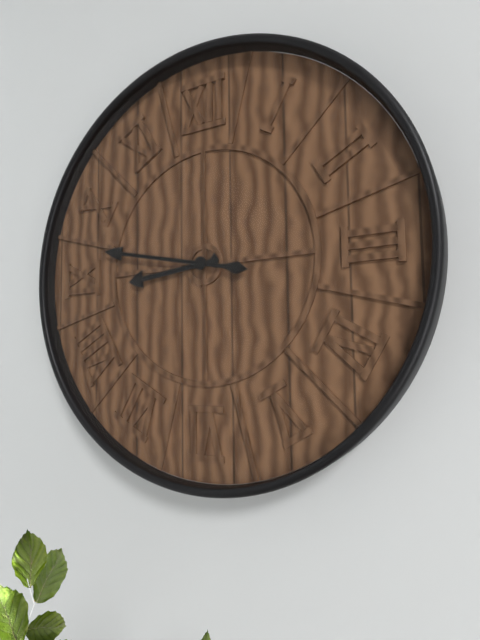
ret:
{"hour": 8, "minute": 47}
